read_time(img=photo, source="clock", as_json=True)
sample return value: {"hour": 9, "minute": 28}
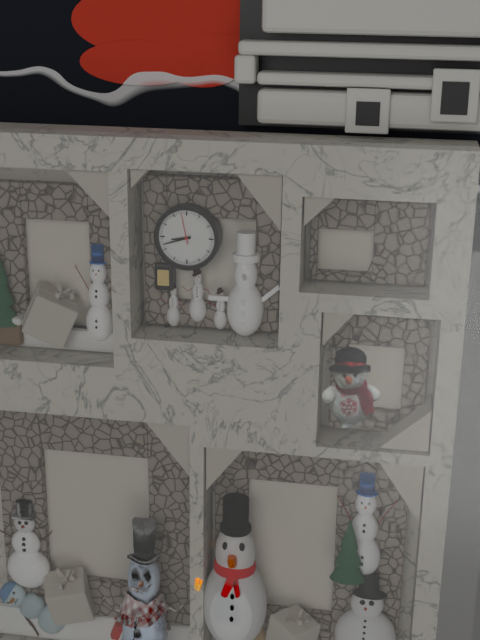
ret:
{"hour": 8, "minute": 42}
